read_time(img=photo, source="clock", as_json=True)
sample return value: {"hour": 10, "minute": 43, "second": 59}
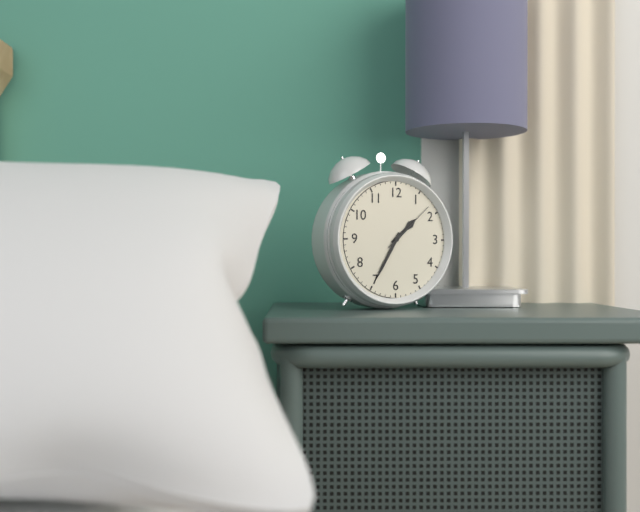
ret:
{"hour": 1, "minute": 35, "second": 8}
